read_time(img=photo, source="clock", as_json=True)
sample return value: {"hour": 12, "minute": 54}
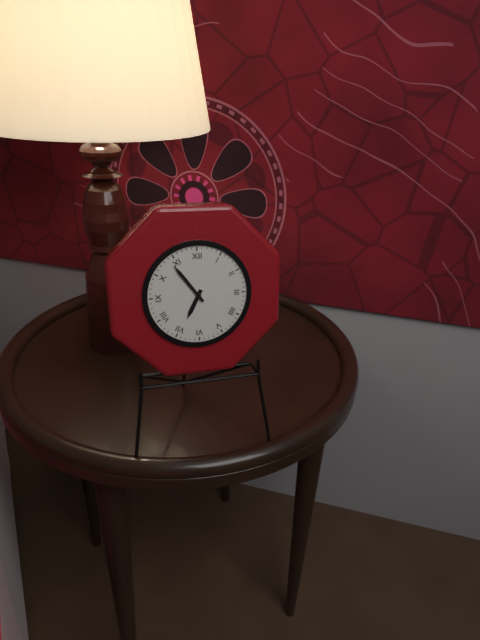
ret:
{"hour": 6, "minute": 54}
